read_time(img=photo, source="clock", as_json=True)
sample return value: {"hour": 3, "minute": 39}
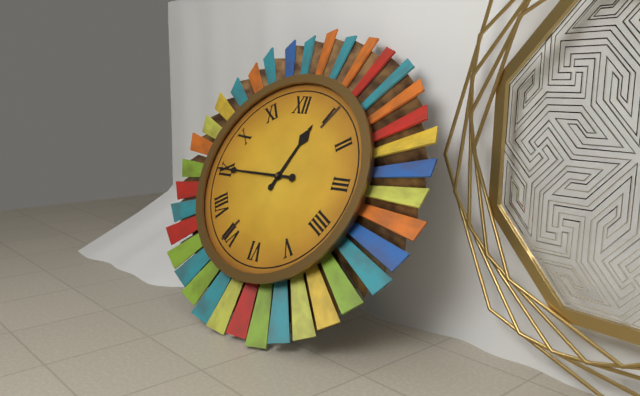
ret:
{"hour": 12, "minute": 45}
